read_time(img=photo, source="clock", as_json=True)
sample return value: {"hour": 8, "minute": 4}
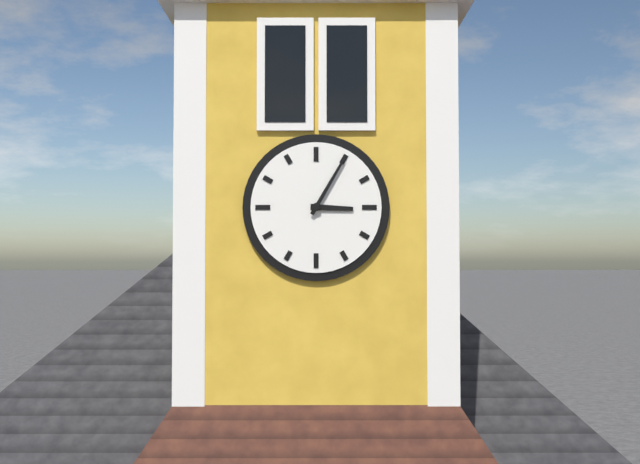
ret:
{"hour": 3, "minute": 5}
